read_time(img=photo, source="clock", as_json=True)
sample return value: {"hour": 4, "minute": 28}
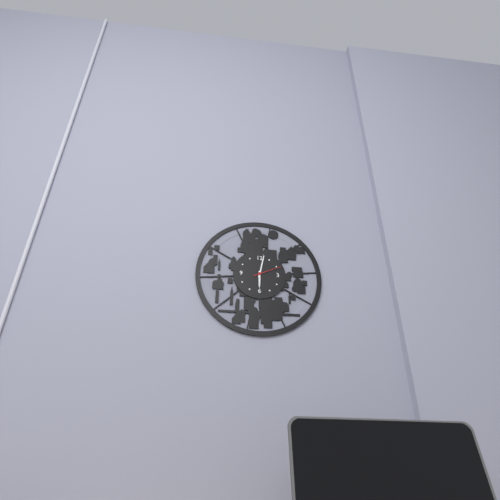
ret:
{"hour": 6, "minute": 2}
